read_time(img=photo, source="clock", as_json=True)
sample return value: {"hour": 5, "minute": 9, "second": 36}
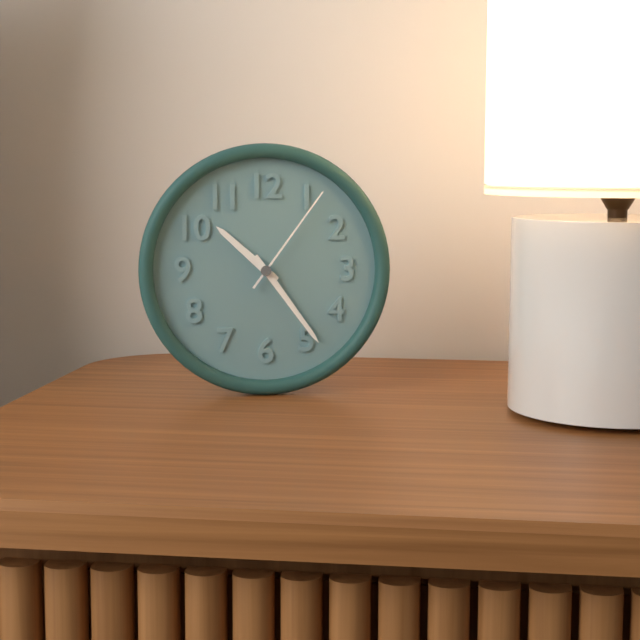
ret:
{"hour": 10, "minute": 24, "second": 6}
